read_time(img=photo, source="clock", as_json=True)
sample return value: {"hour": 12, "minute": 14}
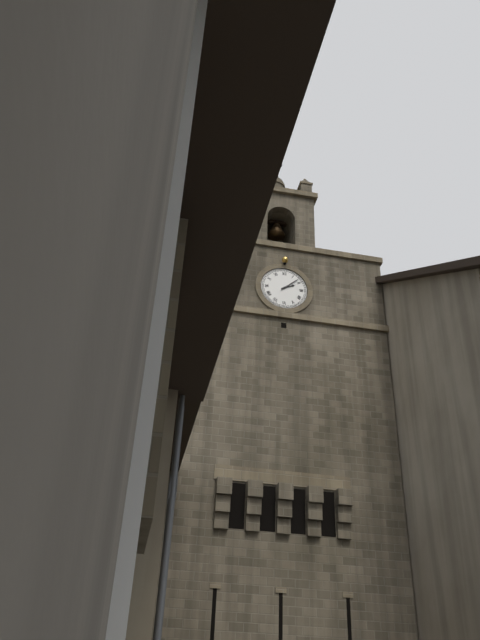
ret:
{"hour": 2, "minute": 8}
